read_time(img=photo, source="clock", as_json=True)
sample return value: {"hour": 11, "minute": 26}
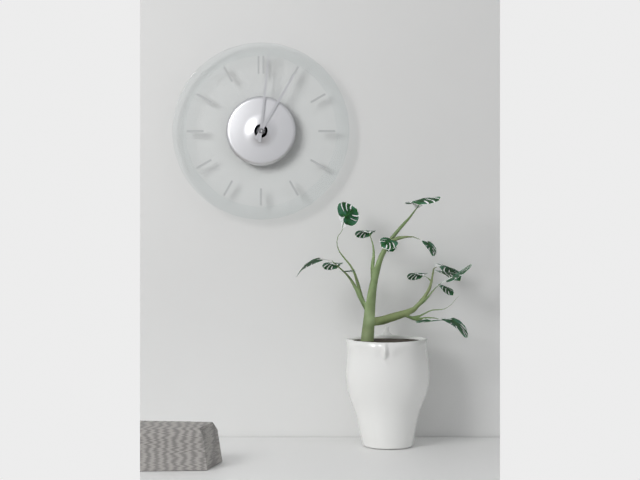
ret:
{"hour": 1, "minute": 1}
